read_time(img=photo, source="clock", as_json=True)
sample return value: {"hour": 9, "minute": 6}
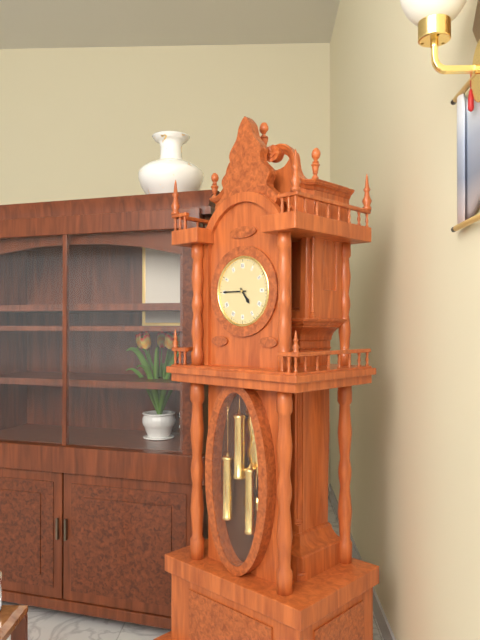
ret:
{"hour": 4, "minute": 45}
